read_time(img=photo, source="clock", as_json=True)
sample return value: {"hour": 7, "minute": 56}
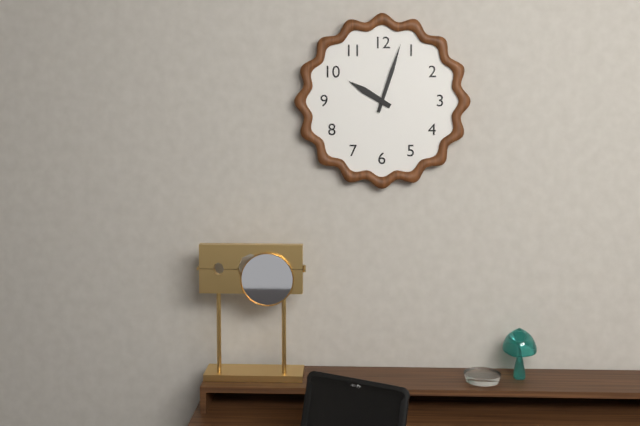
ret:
{"hour": 10, "minute": 3}
